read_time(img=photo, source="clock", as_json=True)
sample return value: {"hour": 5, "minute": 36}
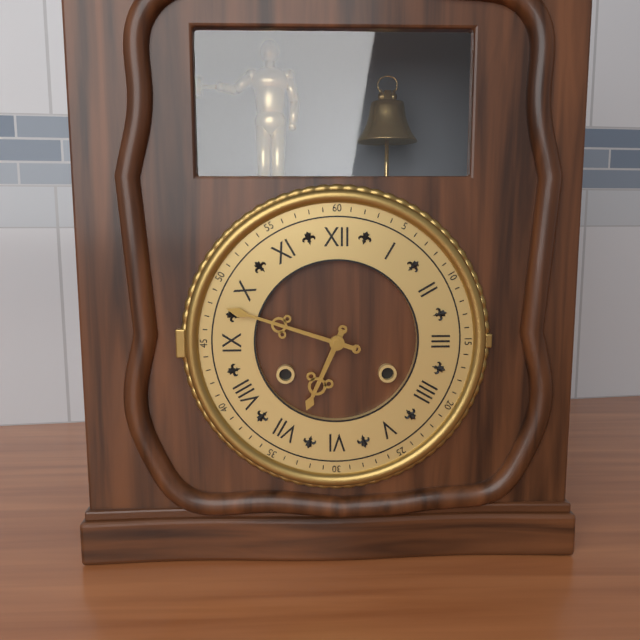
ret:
{"hour": 6, "minute": 48}
